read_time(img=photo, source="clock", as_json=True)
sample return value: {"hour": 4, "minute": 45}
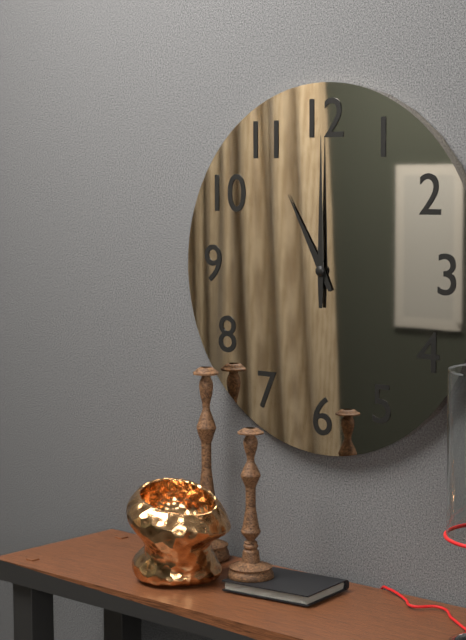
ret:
{"hour": 11, "minute": 0}
